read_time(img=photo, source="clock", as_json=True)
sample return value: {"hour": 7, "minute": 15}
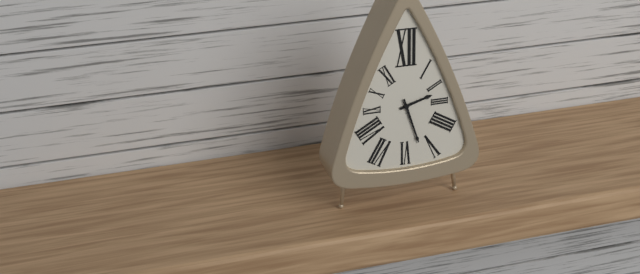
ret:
{"hour": 2, "minute": 27}
